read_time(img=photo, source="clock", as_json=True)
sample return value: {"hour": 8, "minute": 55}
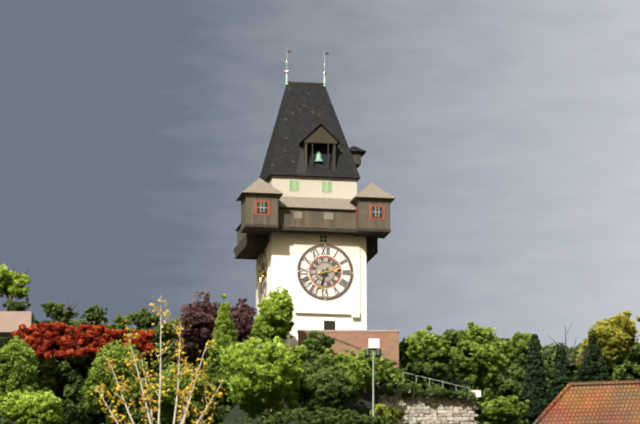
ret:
{"hour": 2, "minute": 33}
